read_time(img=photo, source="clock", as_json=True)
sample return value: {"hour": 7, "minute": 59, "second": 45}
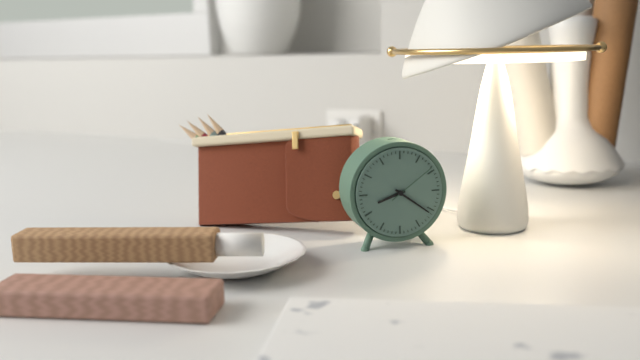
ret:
{"hour": 8, "minute": 21, "second": 9}
